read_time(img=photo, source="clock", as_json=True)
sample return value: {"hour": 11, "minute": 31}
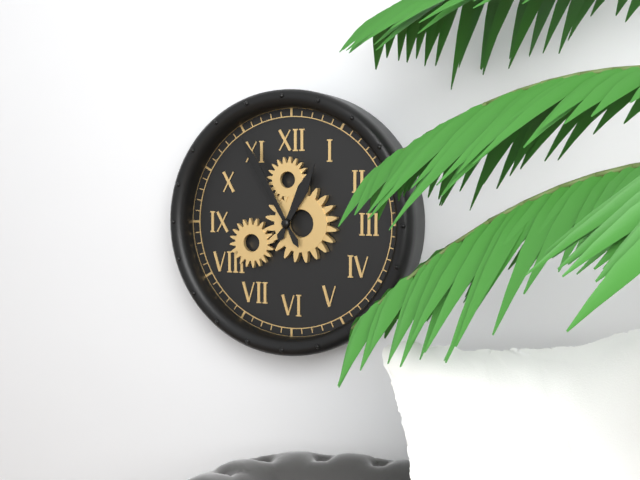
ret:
{"hour": 12, "minute": 55}
